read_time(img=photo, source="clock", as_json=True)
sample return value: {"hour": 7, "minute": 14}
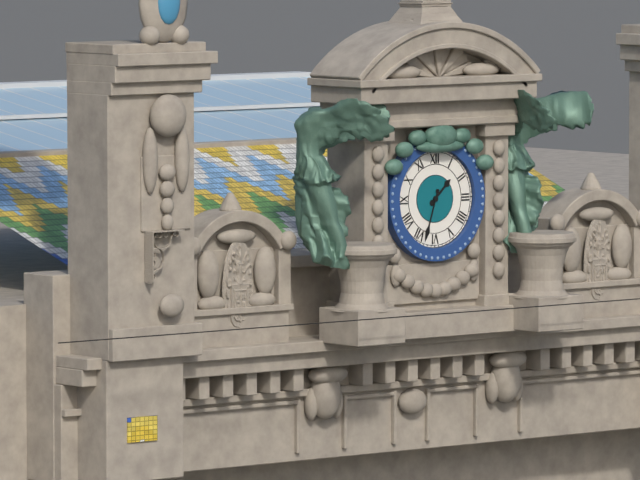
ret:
{"hour": 1, "minute": 33}
